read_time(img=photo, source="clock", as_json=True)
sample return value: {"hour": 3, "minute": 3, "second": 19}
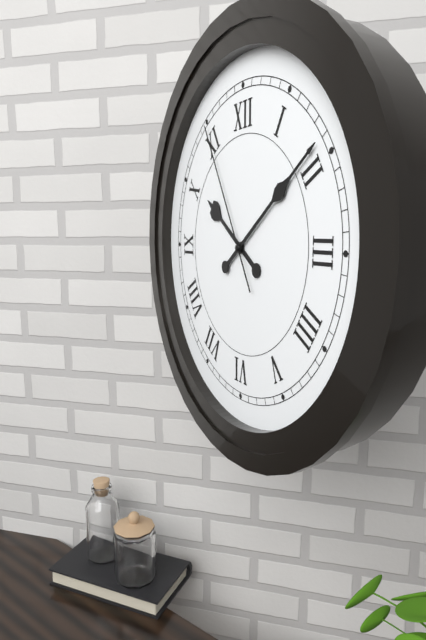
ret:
{"hour": 10, "minute": 9, "second": 55}
